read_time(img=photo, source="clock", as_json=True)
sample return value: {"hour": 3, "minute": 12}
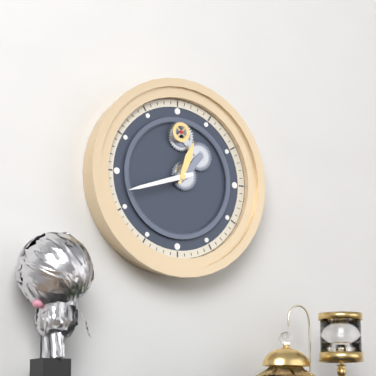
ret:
{"hour": 12, "minute": 42}
